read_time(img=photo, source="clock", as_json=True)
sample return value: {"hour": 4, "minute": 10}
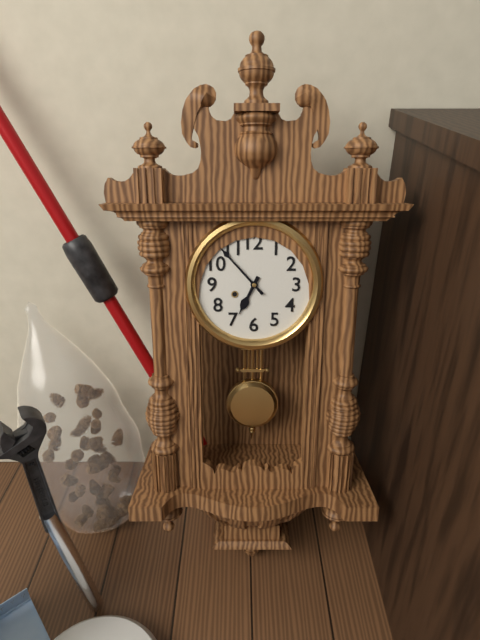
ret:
{"hour": 6, "minute": 53}
